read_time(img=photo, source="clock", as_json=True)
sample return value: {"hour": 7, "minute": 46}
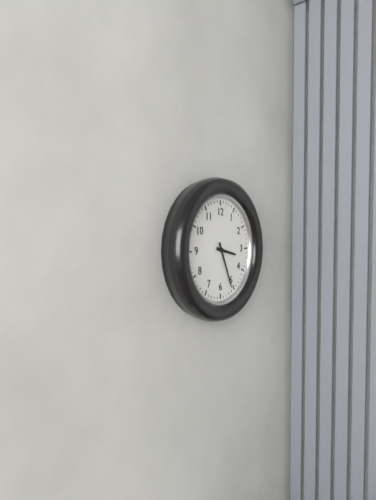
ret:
{"hour": 3, "minute": 26}
